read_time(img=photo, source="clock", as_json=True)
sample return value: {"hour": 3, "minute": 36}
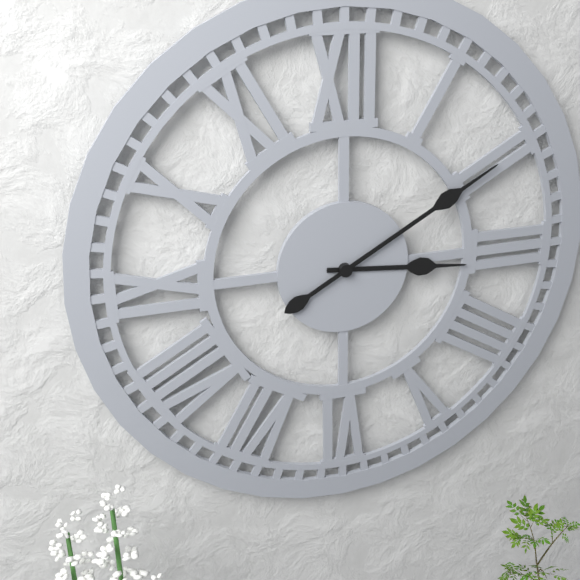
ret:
{"hour": 3, "minute": 10}
